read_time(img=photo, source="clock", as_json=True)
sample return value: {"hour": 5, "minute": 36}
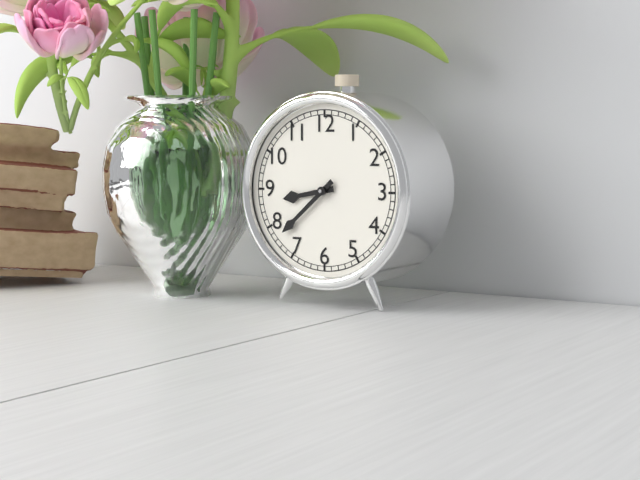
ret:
{"hour": 8, "minute": 38}
